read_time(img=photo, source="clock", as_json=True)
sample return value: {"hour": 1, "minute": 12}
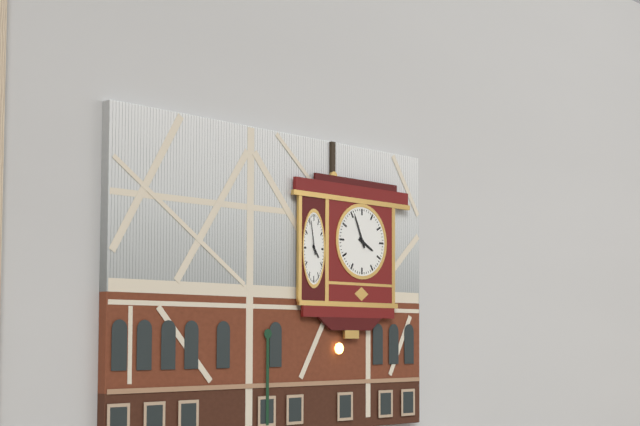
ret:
{"hour": 3, "minute": 56}
